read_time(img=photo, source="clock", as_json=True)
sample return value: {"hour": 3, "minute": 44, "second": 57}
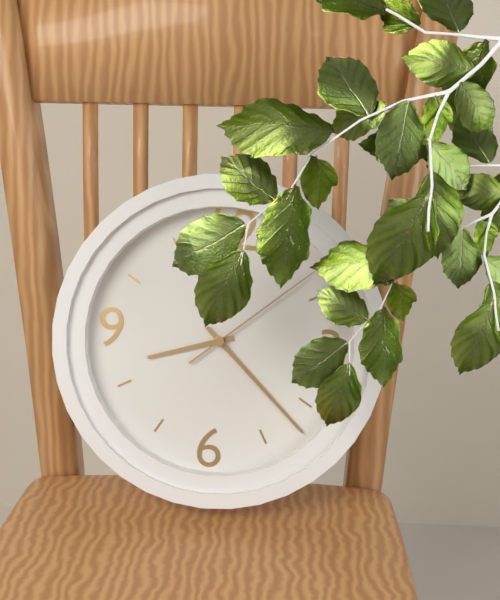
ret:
{"hour": 8, "minute": 22, "second": 8}
